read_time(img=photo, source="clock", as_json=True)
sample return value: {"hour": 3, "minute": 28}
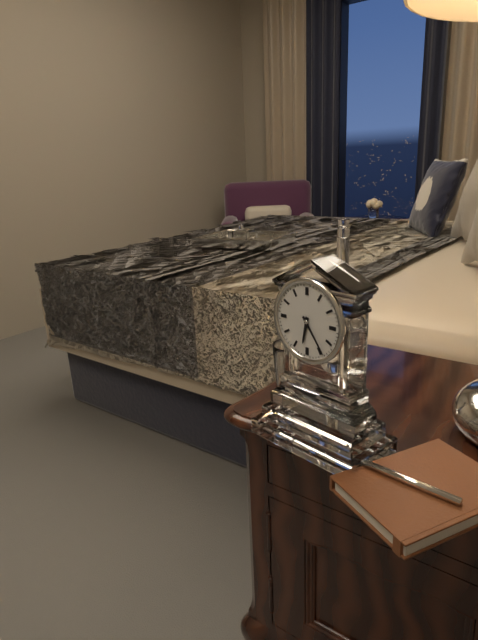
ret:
{"hour": 6, "minute": 24}
